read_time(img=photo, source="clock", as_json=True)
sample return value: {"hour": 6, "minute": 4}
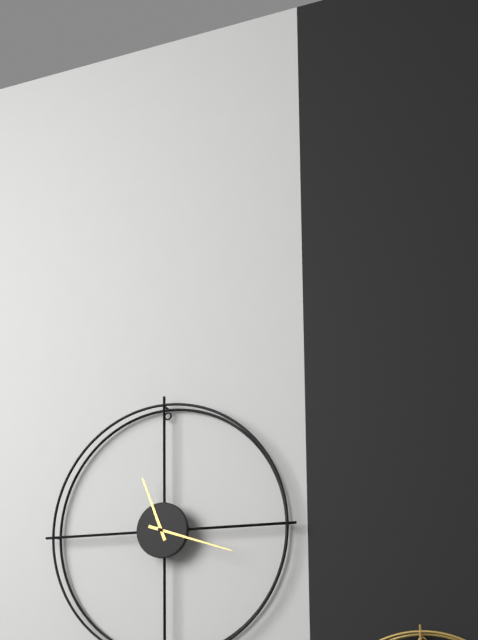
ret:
{"hour": 11, "minute": 18}
